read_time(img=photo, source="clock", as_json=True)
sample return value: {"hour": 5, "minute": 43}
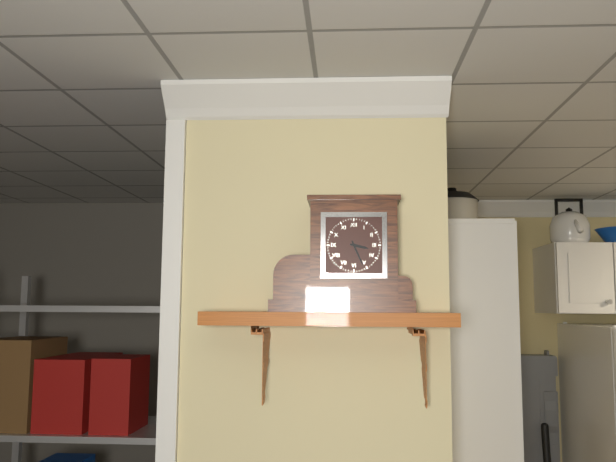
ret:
{"hour": 3, "minute": 26}
